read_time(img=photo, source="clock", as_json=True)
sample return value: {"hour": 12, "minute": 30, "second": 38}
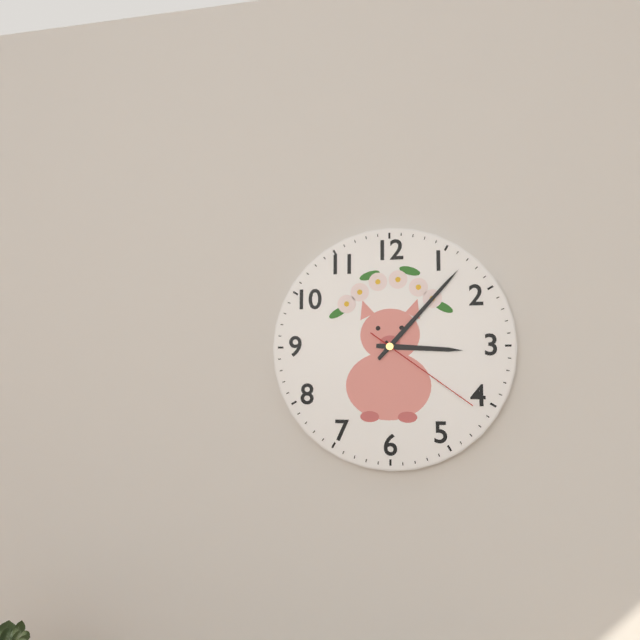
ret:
{"hour": 3, "minute": 7, "second": 21}
